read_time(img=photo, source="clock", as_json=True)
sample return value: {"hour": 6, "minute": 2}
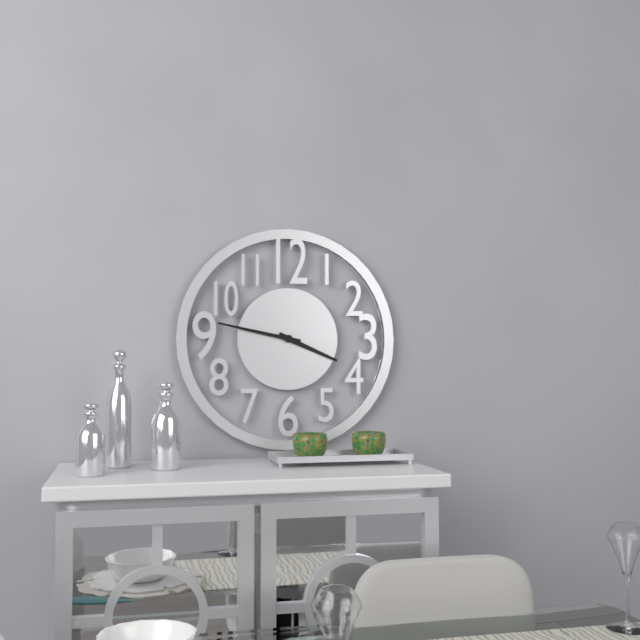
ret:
{"hour": 3, "minute": 47}
